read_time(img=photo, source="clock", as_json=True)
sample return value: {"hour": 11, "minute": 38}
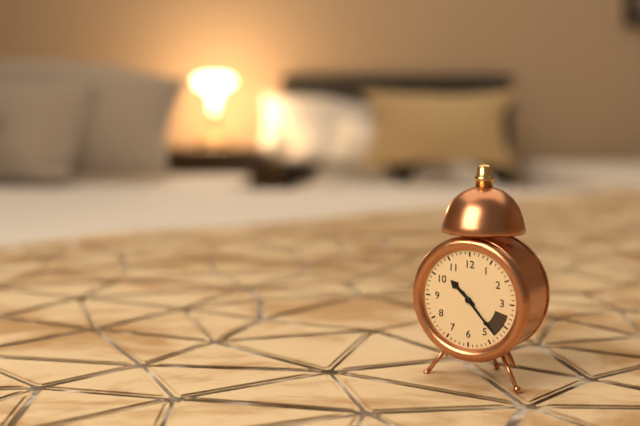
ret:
{"hour": 10, "minute": 23}
